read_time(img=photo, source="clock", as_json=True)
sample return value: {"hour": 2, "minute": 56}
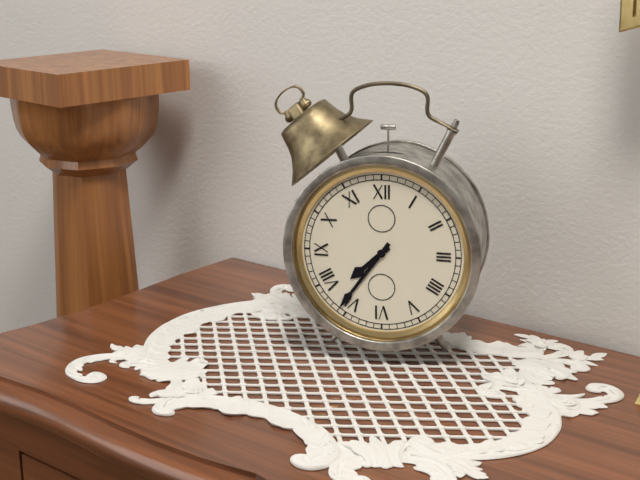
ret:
{"hour": 7, "minute": 36}
